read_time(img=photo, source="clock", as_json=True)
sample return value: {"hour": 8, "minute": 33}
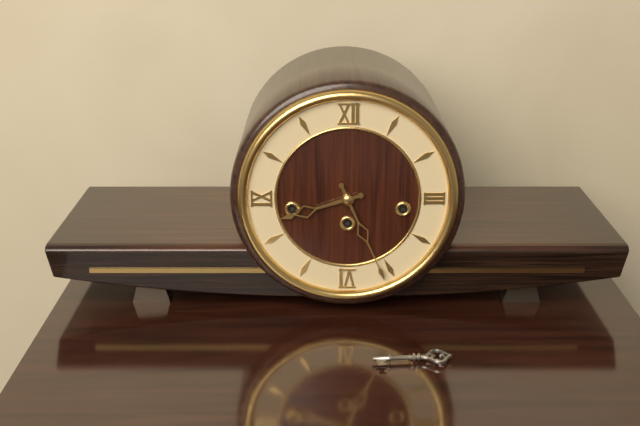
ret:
{"hour": 8, "minute": 26}
